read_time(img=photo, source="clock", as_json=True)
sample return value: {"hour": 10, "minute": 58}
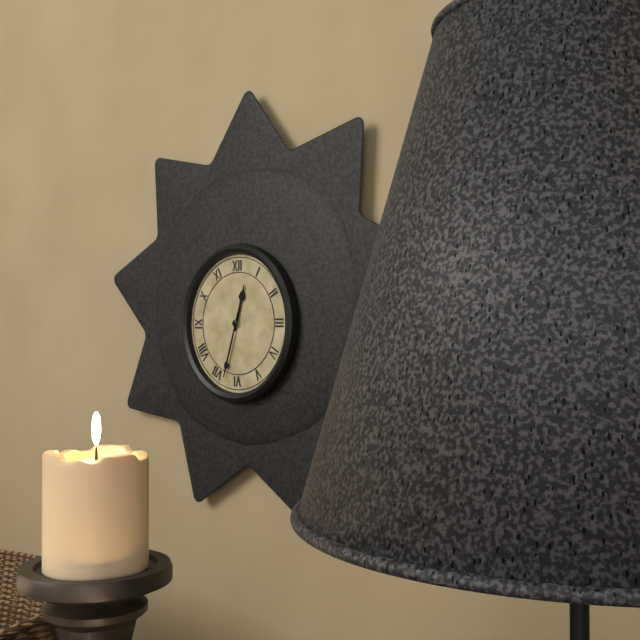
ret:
{"hour": 12, "minute": 33}
